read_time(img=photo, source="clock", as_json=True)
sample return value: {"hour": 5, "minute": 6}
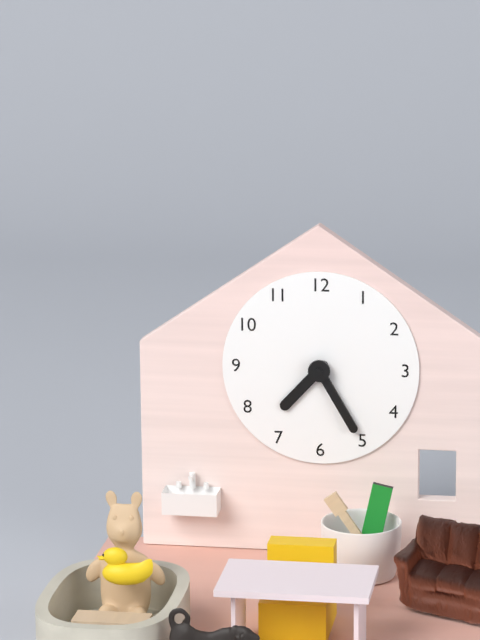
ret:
{"hour": 7, "minute": 25}
